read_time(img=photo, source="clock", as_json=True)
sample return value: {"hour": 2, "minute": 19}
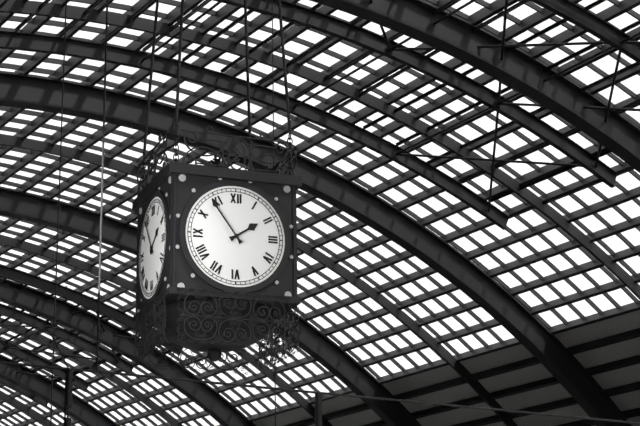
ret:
{"hour": 1, "minute": 54}
